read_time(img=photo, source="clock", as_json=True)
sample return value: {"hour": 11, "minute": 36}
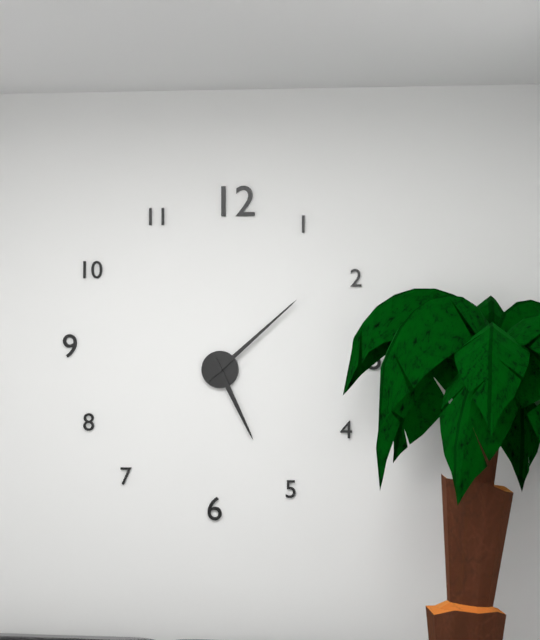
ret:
{"hour": 5, "minute": 8}
